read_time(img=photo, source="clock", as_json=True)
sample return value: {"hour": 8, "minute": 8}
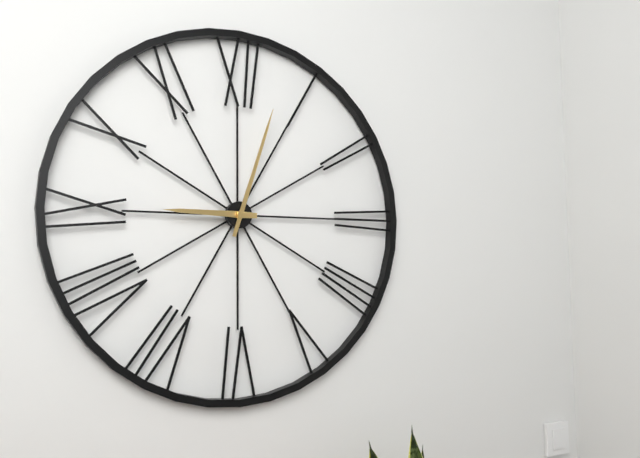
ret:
{"hour": 9, "minute": 3}
